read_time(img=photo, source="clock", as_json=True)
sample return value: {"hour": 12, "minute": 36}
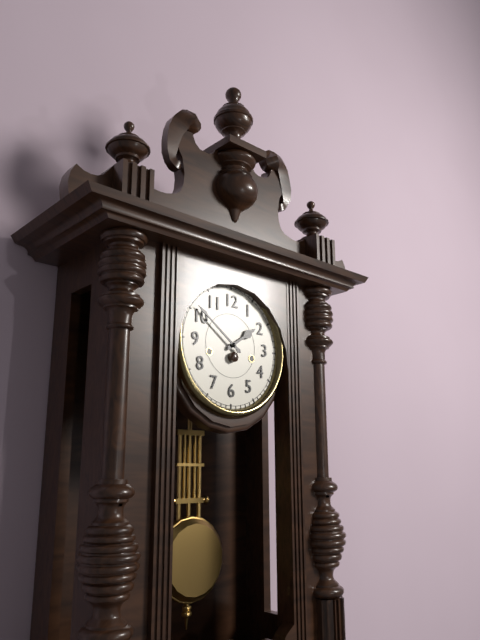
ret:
{"hour": 1, "minute": 51}
